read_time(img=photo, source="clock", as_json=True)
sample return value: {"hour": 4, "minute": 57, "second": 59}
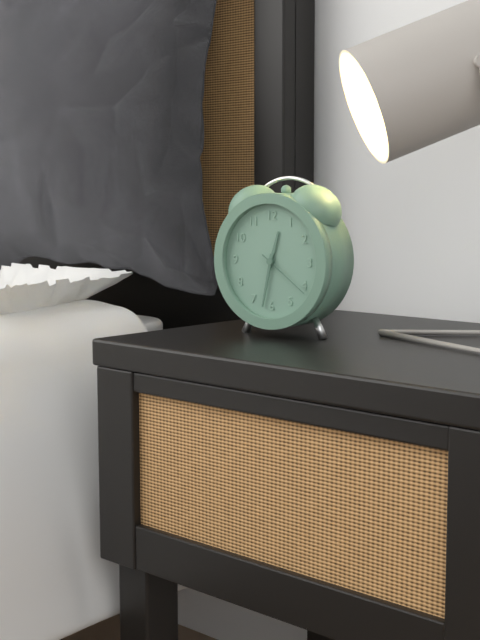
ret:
{"hour": 12, "minute": 32, "second": 21}
